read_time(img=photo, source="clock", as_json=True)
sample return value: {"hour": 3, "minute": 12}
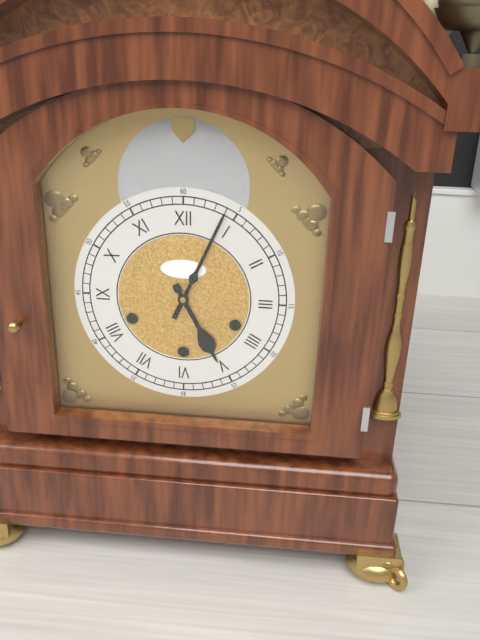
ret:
{"hour": 5, "minute": 4}
